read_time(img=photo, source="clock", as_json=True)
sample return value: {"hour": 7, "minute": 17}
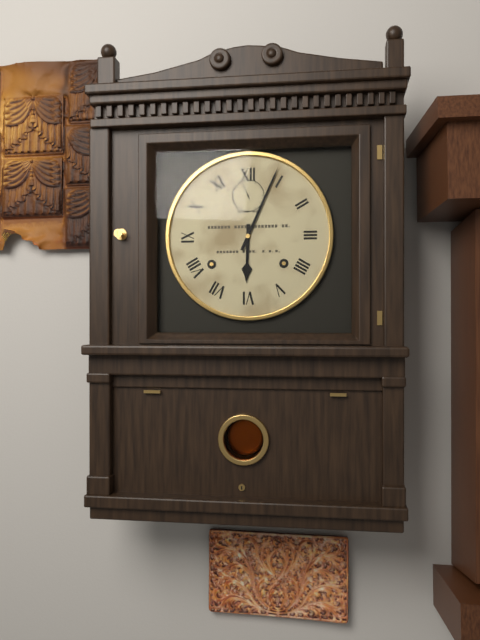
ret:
{"hour": 6, "minute": 4}
